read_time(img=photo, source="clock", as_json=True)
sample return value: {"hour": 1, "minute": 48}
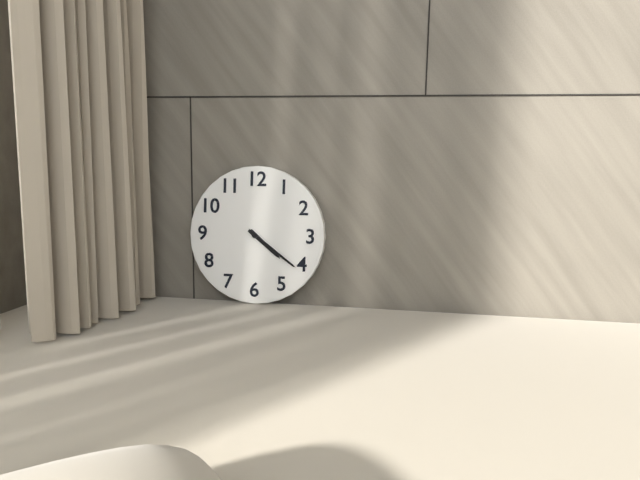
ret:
{"hour": 4, "minute": 21}
